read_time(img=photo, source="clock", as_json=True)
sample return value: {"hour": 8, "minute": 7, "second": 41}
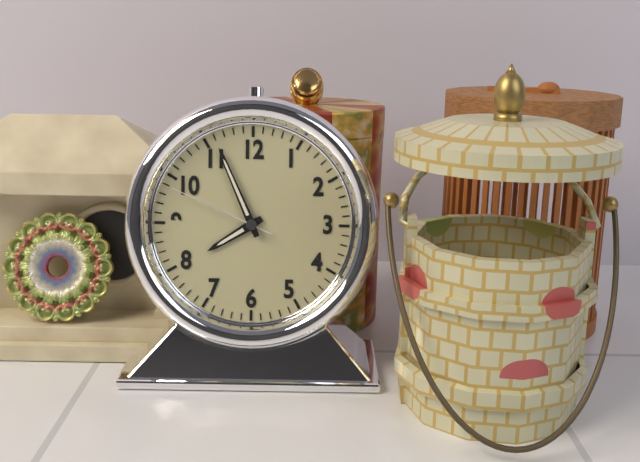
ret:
{"hour": 7, "minute": 56, "second": 49}
